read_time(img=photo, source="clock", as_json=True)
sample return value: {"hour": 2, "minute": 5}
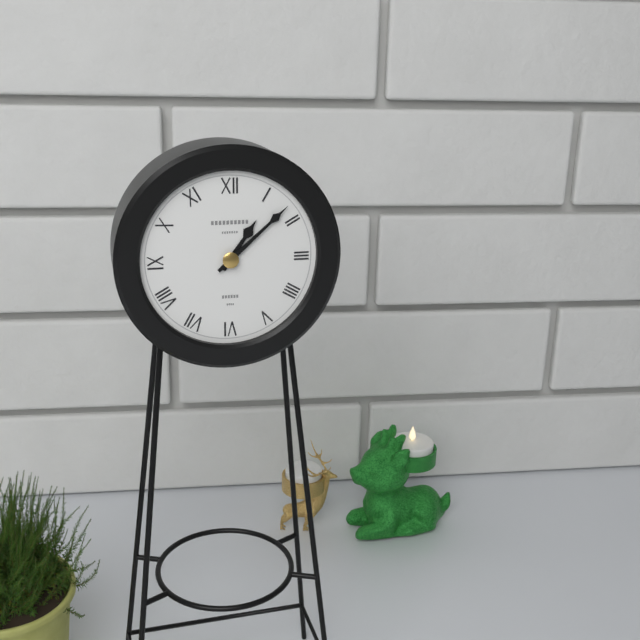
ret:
{"hour": 1, "minute": 8}
